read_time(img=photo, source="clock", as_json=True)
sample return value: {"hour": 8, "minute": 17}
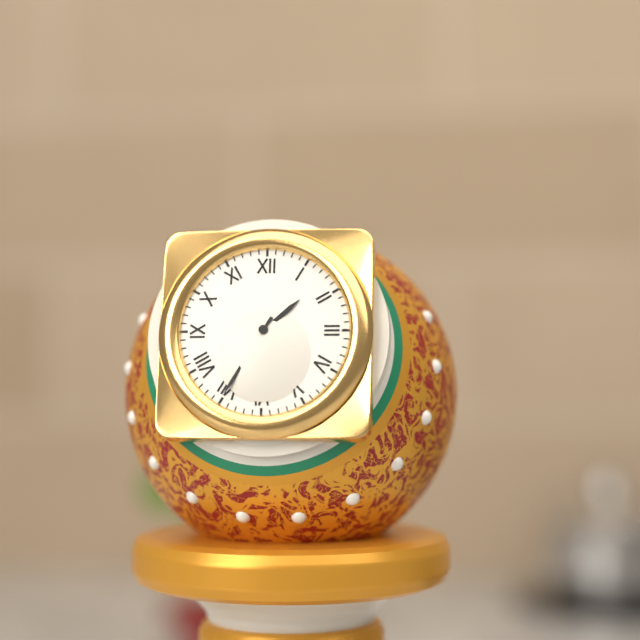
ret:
{"hour": 1, "minute": 35}
